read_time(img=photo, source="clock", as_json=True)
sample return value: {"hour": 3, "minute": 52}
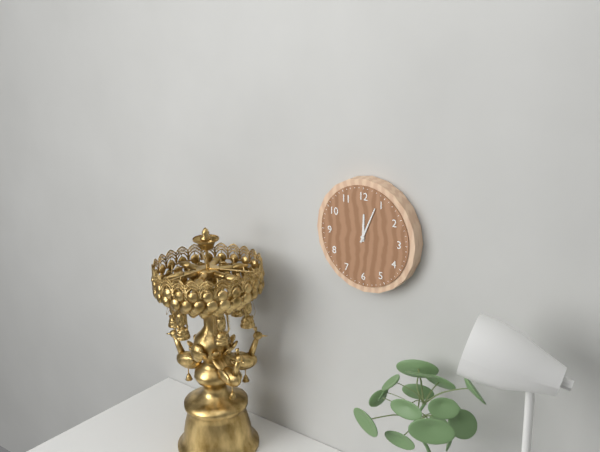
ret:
{"hour": 12, "minute": 4}
